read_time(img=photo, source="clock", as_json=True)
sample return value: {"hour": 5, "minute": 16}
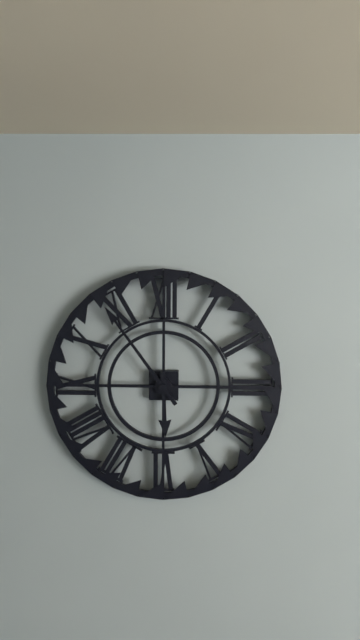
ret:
{"hour": 5, "minute": 54}
